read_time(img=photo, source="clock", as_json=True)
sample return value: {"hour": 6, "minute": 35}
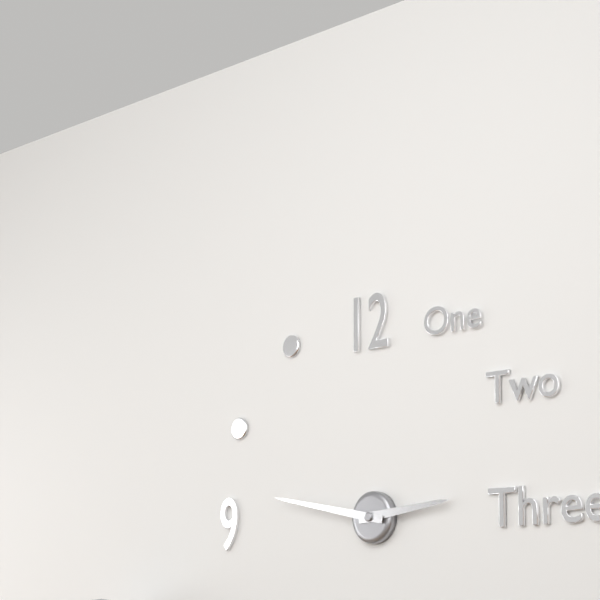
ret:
{"hour": 2, "minute": 47}
